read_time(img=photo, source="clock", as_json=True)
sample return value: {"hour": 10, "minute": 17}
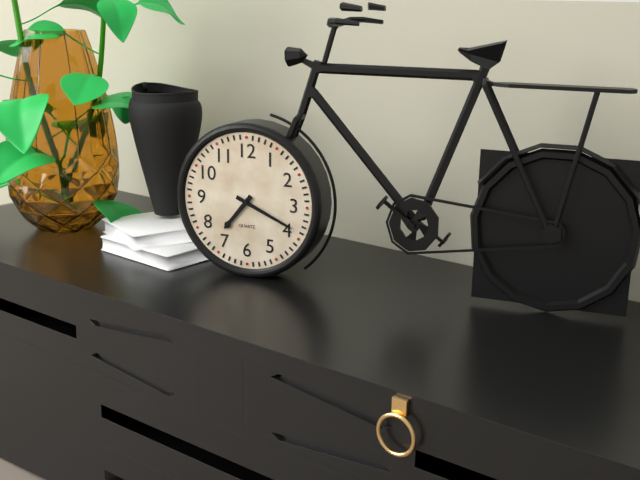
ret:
{"hour": 7, "minute": 19}
